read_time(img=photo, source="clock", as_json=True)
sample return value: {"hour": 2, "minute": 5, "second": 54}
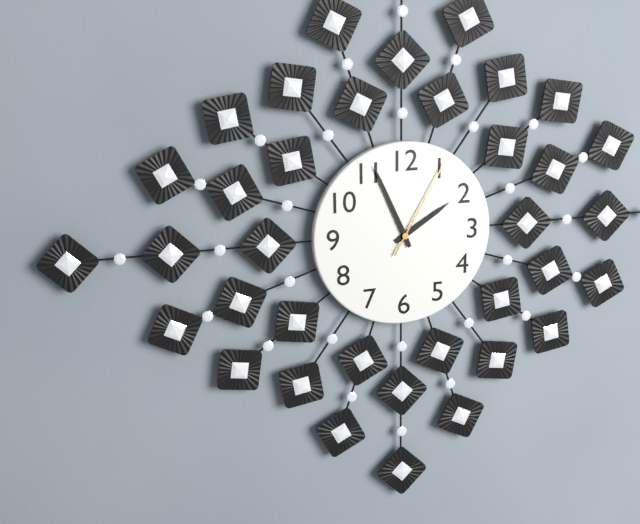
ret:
{"hour": 1, "minute": 56, "second": 5}
